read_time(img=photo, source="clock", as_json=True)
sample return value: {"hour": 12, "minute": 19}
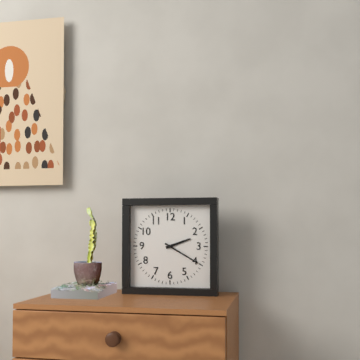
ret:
{"hour": 2, "minute": 20}
